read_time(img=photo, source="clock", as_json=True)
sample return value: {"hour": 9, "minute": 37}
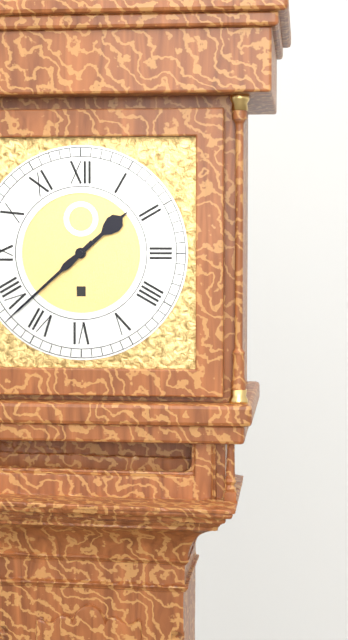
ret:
{"hour": 1, "minute": 38}
